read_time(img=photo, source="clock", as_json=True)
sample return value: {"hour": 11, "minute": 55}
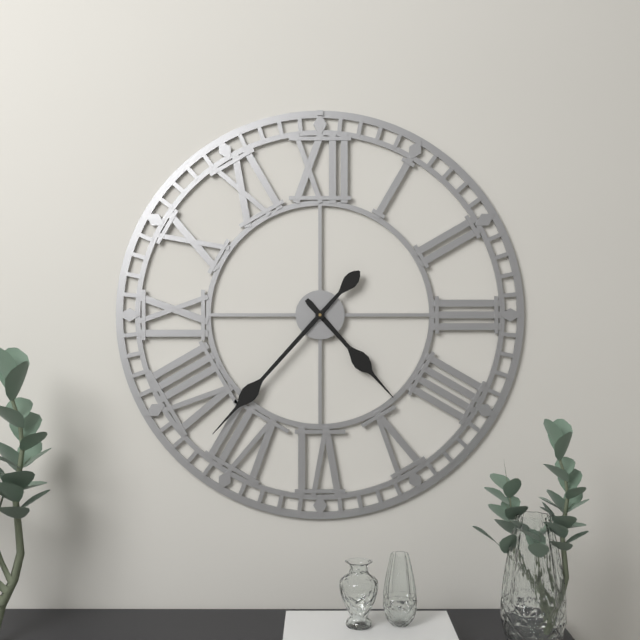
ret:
{"hour": 4, "minute": 37}
